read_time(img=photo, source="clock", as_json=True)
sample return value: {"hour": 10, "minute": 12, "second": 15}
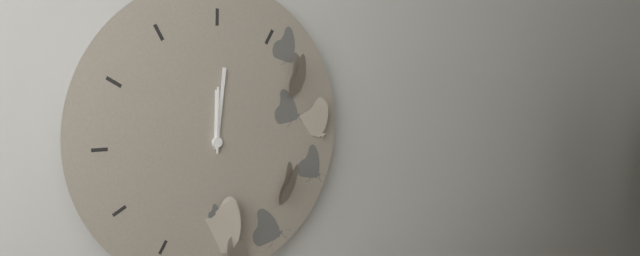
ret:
{"hour": 12, "minute": 1, "second": 0}
